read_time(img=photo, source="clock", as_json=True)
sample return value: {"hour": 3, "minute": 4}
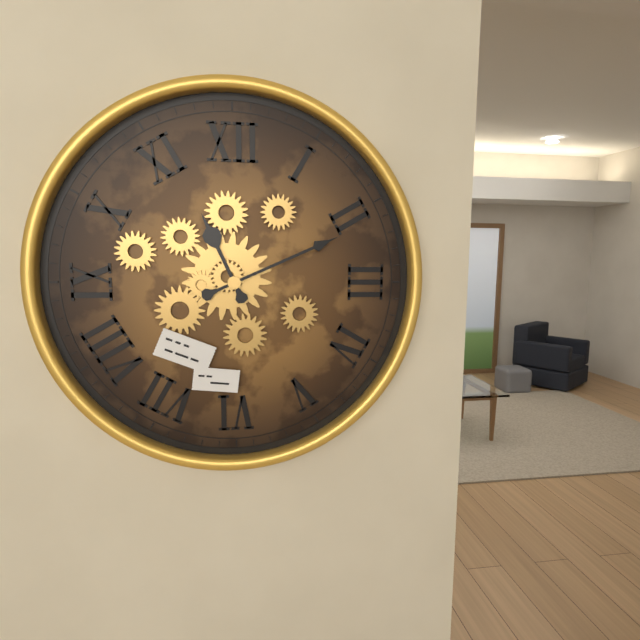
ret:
{"hour": 11, "minute": 11}
